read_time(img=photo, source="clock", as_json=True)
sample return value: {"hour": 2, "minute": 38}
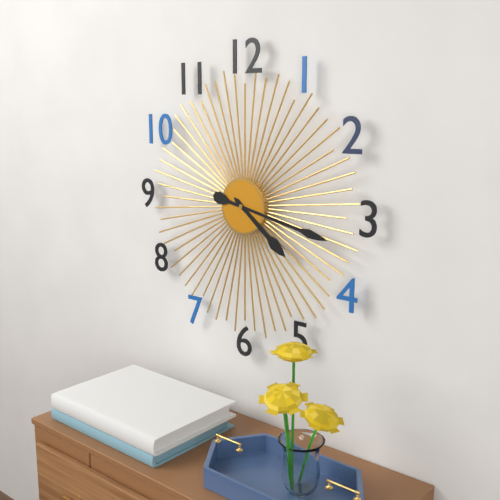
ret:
{"hour": 4, "minute": 17}
